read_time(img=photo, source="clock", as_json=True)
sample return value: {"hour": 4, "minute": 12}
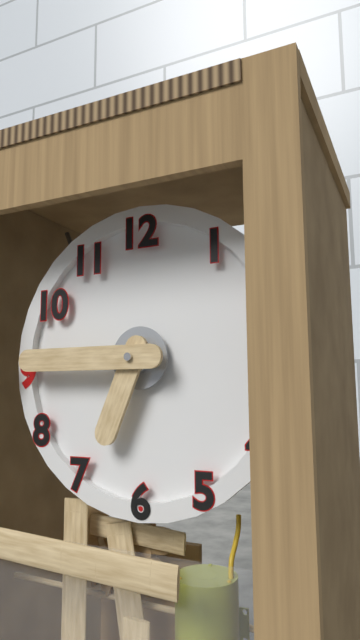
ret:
{"hour": 6, "minute": 45}
